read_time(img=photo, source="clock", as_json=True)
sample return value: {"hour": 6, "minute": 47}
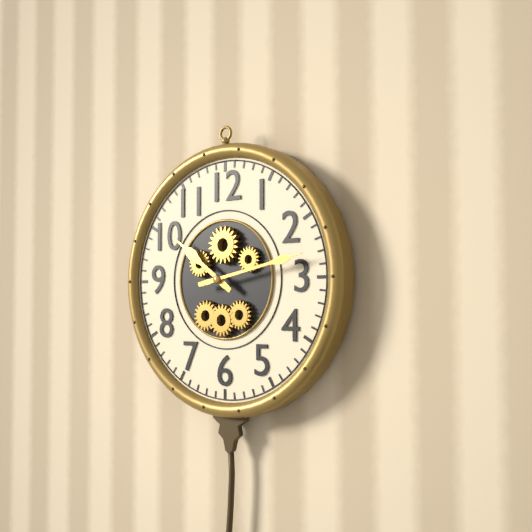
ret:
{"hour": 10, "minute": 13}
